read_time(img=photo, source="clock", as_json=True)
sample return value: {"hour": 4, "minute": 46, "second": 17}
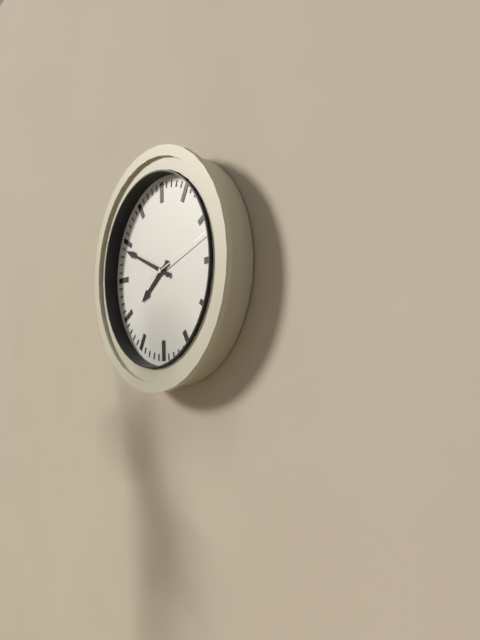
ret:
{"hour": 7, "minute": 49, "second": 12}
